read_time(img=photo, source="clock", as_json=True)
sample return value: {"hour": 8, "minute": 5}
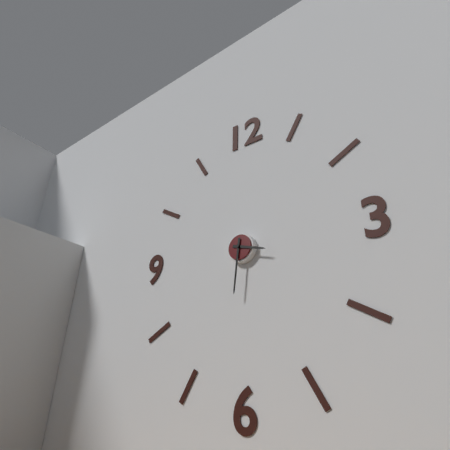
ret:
{"hour": 3, "minute": 31}
